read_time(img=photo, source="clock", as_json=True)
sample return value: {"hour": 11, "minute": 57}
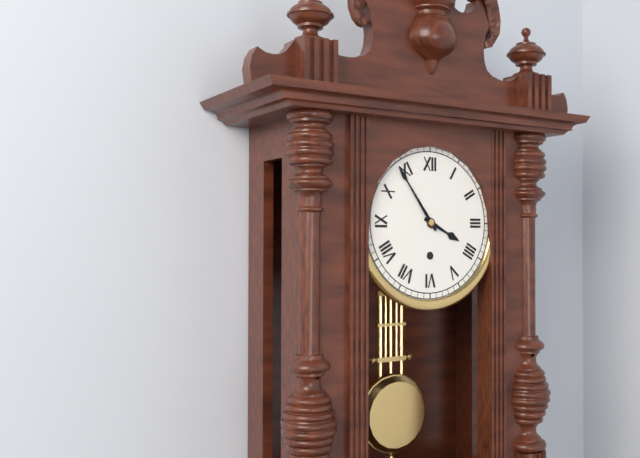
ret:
{"hour": 3, "minute": 54}
